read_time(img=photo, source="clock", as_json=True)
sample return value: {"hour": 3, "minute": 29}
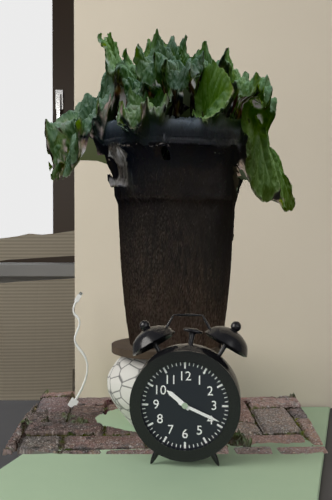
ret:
{"hour": 10, "minute": 19}
